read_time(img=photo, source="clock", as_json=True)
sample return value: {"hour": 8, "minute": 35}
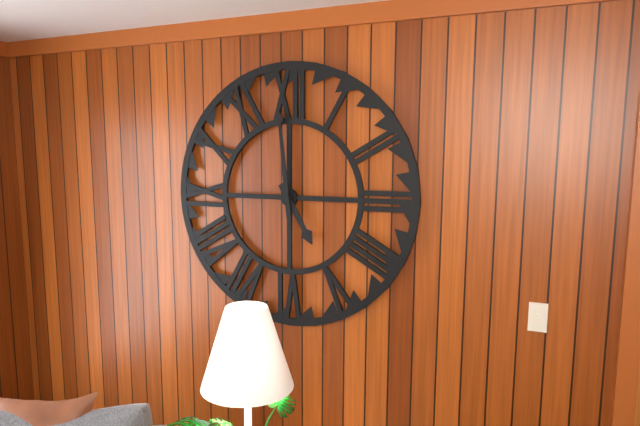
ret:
{"hour": 4, "minute": 59}
